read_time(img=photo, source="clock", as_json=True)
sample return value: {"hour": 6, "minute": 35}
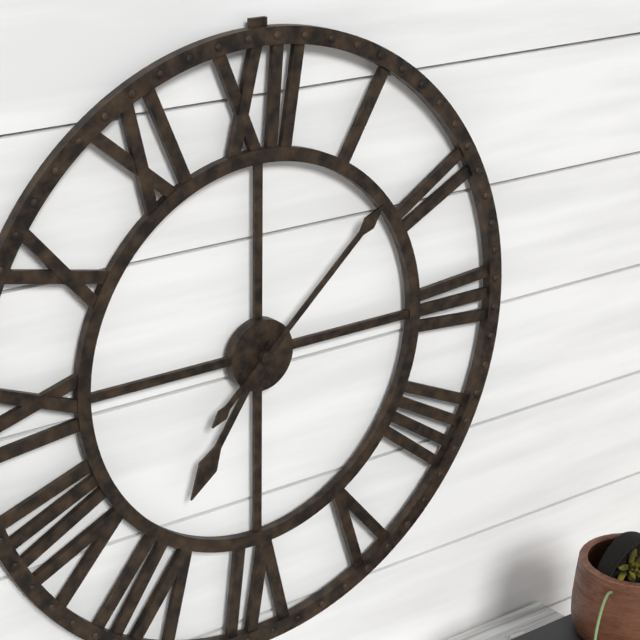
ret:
{"hour": 7, "minute": 8}
